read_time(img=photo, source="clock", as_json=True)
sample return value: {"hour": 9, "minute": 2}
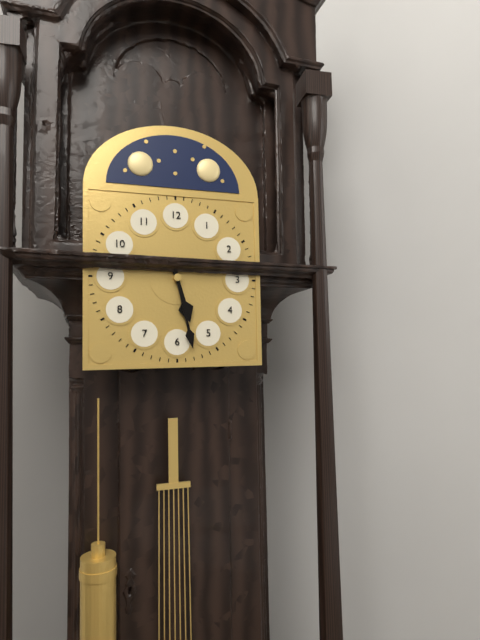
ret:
{"hour": 5, "minute": 28}
